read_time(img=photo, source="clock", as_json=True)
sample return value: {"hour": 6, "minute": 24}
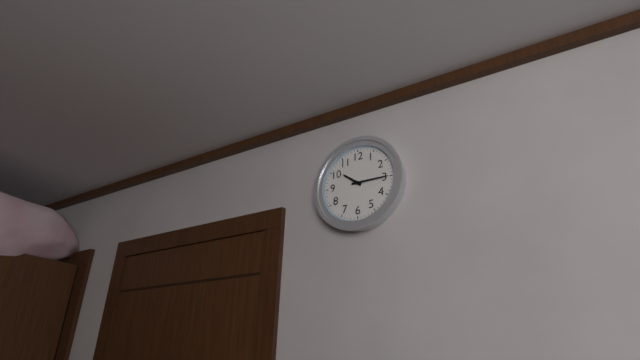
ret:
{"hour": 10, "minute": 15}
